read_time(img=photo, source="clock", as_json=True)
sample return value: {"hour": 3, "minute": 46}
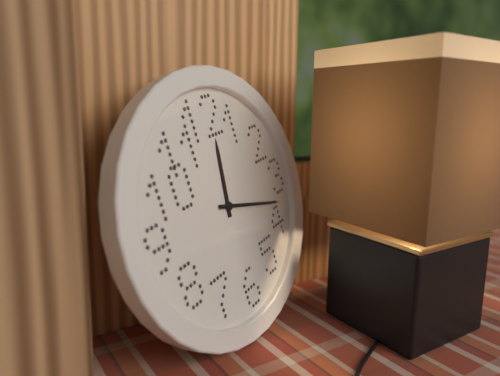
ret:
{"hour": 12, "minute": 18}
